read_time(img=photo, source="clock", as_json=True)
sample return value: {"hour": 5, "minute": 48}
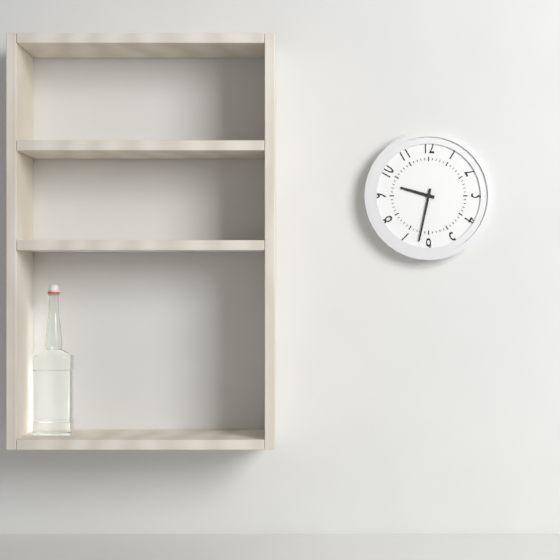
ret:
{"hour": 9, "minute": 32}
